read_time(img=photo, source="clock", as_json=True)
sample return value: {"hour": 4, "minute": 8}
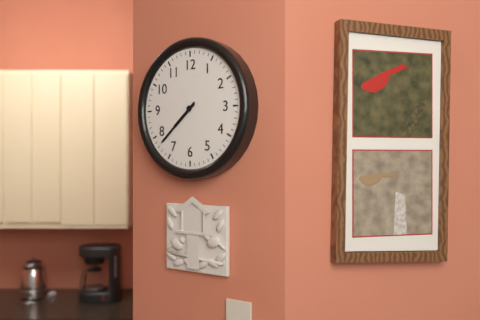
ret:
{"hour": 7, "minute": 38}
